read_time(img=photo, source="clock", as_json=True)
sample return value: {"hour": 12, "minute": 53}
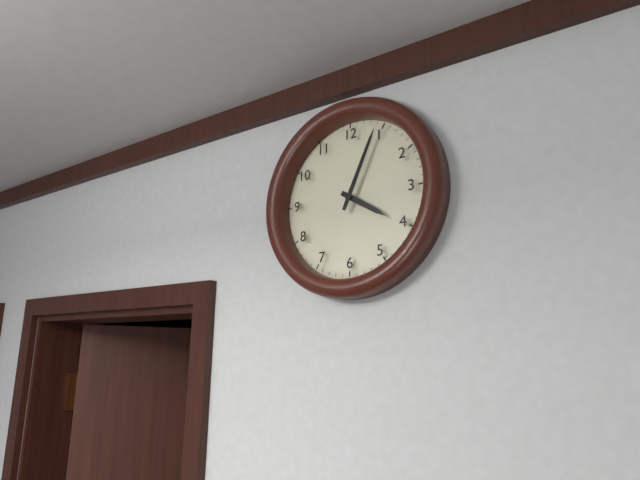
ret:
{"hour": 4, "minute": 4}
